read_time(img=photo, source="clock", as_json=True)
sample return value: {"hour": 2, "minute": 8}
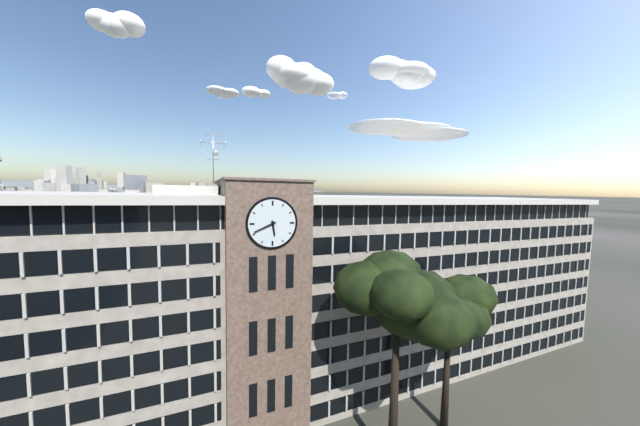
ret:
{"hour": 5, "minute": 41}
